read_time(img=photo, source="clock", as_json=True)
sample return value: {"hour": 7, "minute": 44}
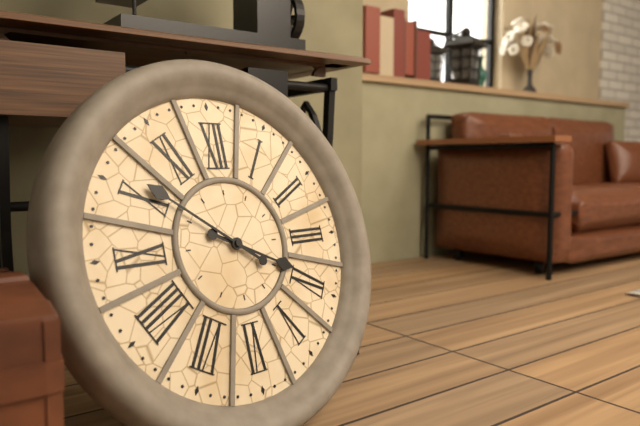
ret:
{"hour": 3, "minute": 51}
